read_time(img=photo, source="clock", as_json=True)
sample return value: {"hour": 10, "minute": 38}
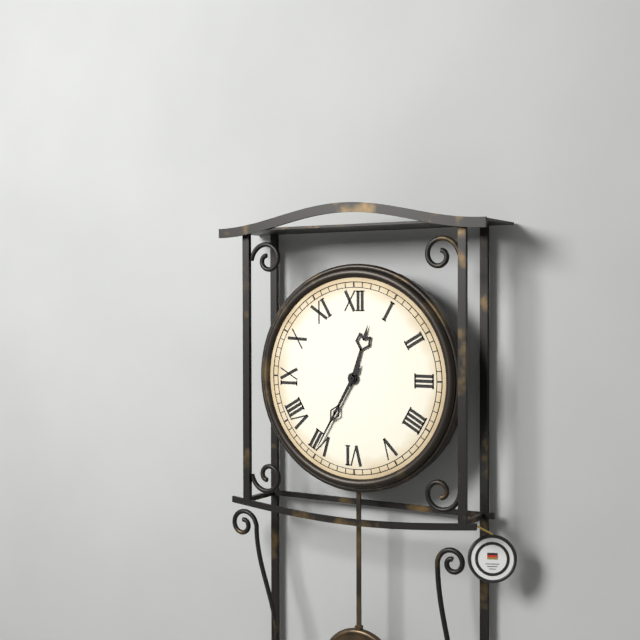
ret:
{"hour": 12, "minute": 35}
